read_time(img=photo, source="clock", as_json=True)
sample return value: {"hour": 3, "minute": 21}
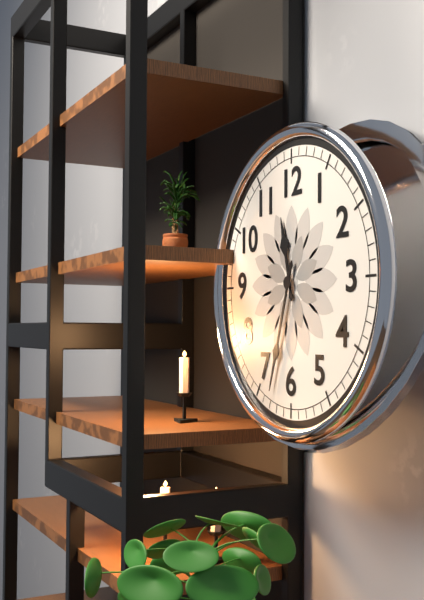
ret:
{"hour": 11, "minute": 33}
